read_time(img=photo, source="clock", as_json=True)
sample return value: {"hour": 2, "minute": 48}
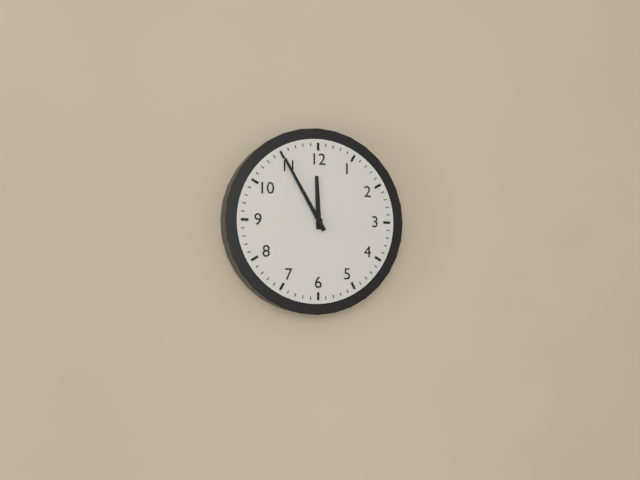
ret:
{"hour": 11, "minute": 55}
